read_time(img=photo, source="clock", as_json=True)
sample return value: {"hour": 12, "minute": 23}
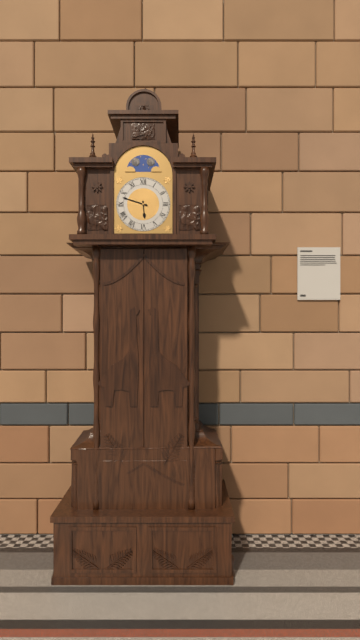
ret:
{"hour": 5, "minute": 48}
